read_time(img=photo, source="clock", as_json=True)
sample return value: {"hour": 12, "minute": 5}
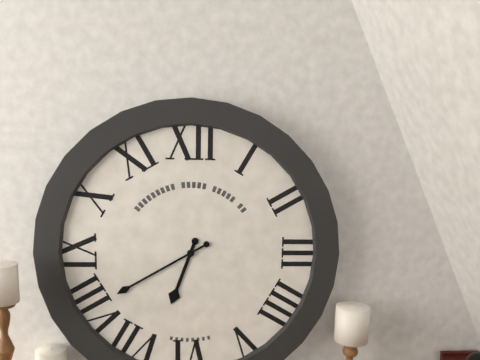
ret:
{"hour": 6, "minute": 40}
